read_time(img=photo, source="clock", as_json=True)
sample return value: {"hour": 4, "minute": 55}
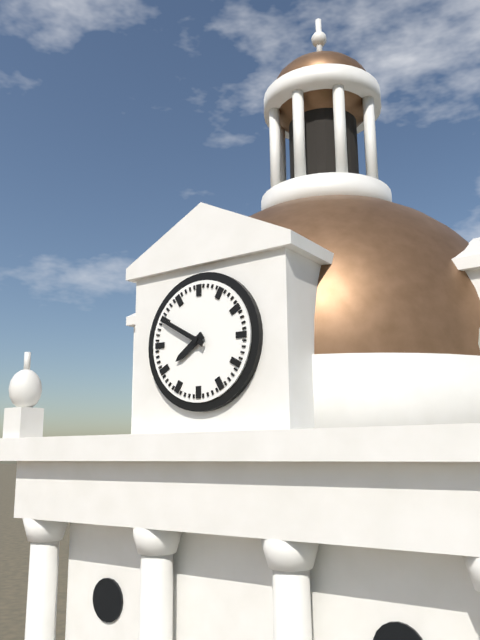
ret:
{"hour": 7, "minute": 50}
